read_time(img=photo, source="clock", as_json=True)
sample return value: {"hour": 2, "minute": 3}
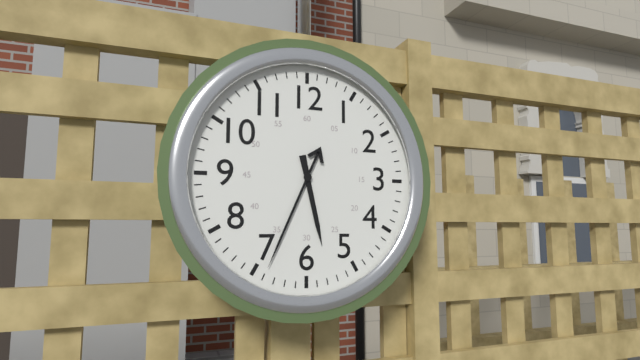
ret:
{"hour": 5, "minute": 34}
